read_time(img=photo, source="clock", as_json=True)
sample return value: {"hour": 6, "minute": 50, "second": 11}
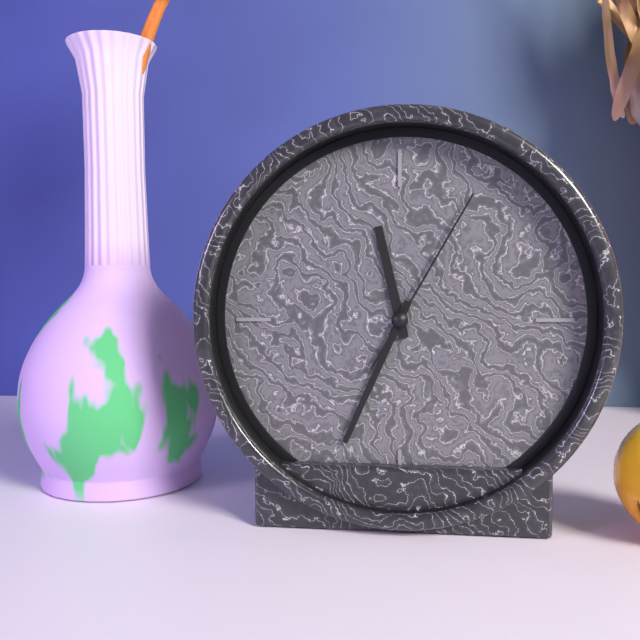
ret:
{"hour": 11, "minute": 34, "second": 5}
